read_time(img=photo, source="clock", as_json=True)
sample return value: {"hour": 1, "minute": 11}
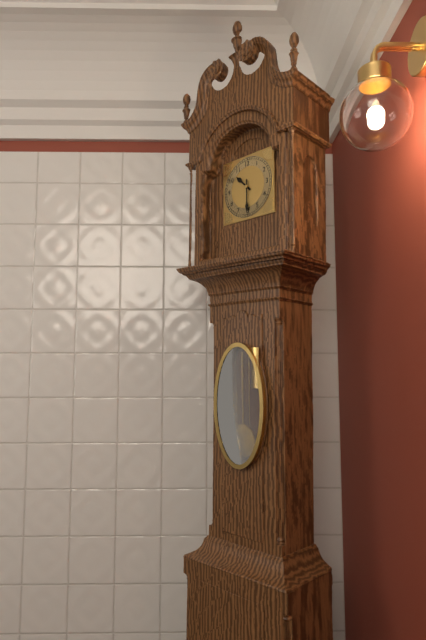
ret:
{"hour": 10, "minute": 30}
